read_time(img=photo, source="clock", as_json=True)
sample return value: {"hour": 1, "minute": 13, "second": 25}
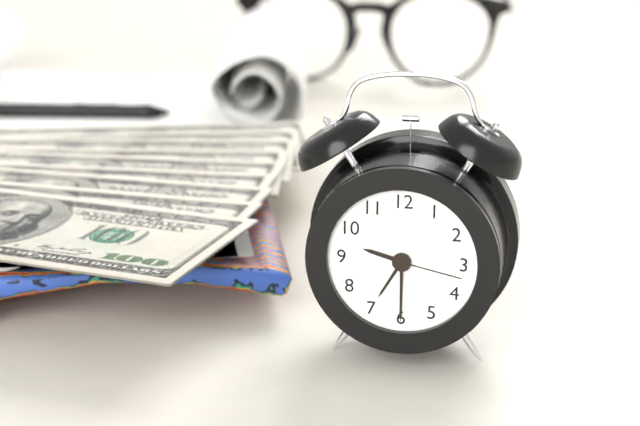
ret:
{"hour": 9, "minute": 30, "second": 17}
